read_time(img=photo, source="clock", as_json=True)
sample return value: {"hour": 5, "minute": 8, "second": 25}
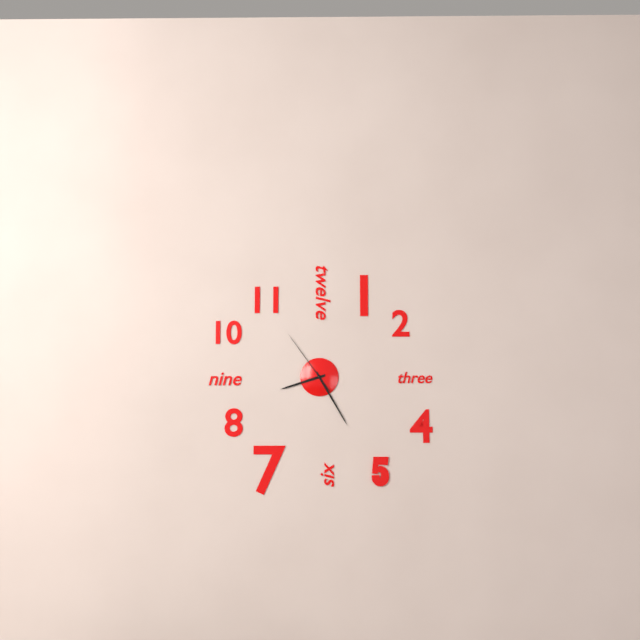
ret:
{"hour": 8, "minute": 25, "second": 54}
